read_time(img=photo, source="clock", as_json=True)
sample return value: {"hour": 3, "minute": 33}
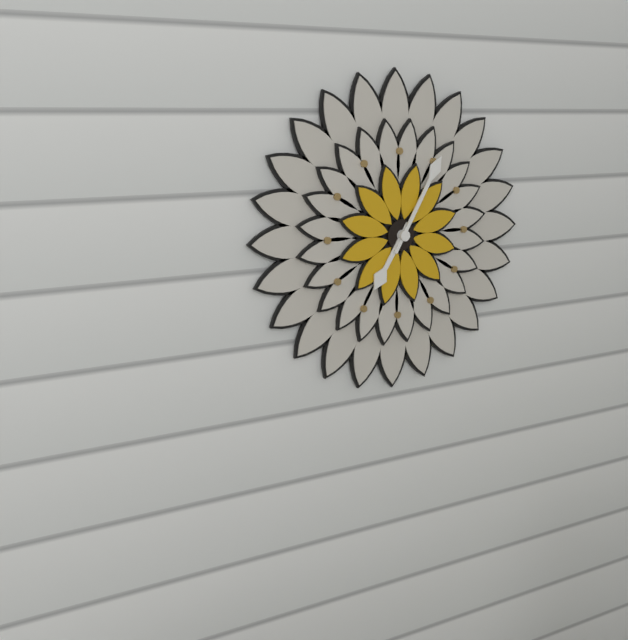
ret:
{"hour": 7, "minute": 5}
